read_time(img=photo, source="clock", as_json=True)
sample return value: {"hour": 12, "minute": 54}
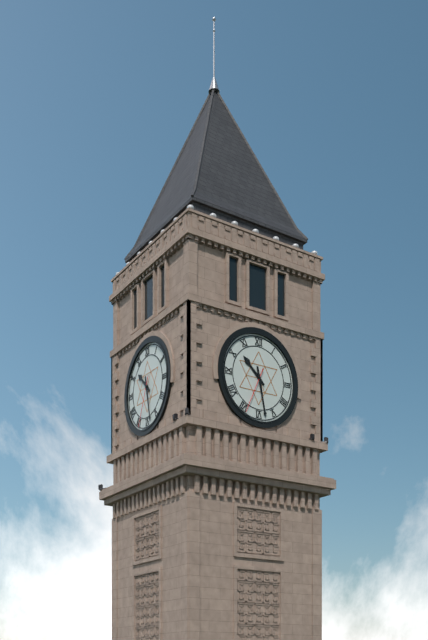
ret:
{"hour": 10, "minute": 28}
